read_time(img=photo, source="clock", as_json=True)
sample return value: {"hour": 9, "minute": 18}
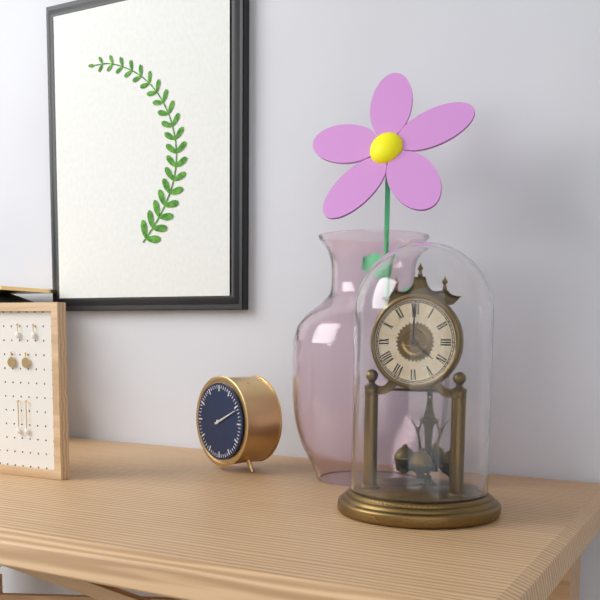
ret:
{"hour": 2, "minute": 11}
